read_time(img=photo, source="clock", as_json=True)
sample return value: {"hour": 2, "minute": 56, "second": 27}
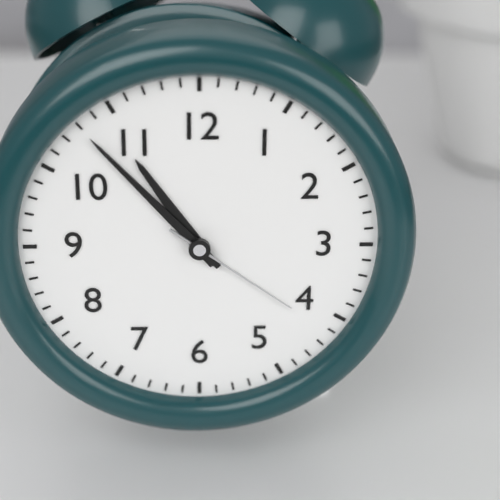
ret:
{"hour": 10, "minute": 53, "second": 21}
